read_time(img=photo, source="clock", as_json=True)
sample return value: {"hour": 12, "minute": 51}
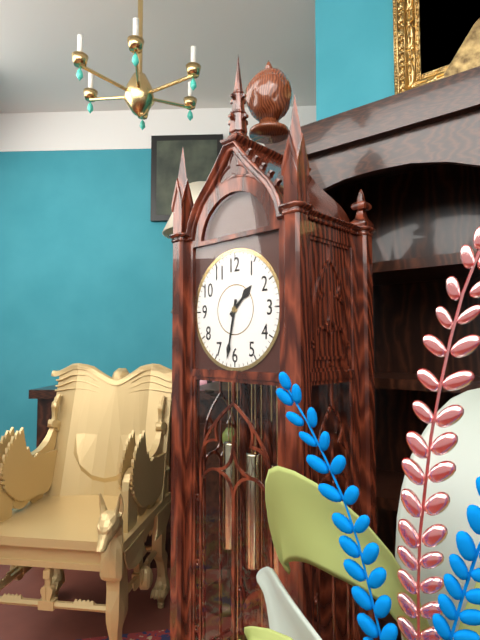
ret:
{"hour": 1, "minute": 32}
